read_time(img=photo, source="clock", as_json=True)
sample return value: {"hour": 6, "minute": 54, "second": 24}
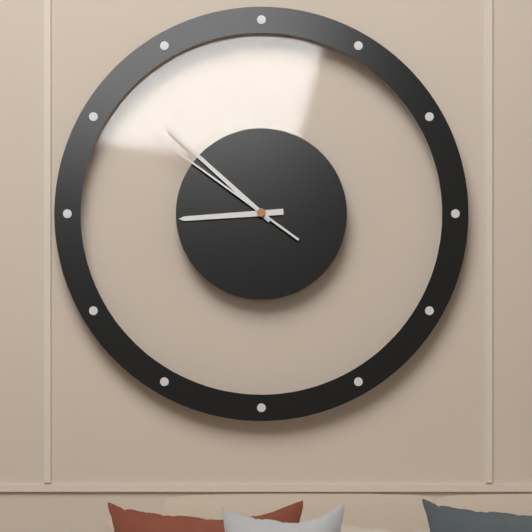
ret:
{"hour": 8, "minute": 52, "second": 51}
